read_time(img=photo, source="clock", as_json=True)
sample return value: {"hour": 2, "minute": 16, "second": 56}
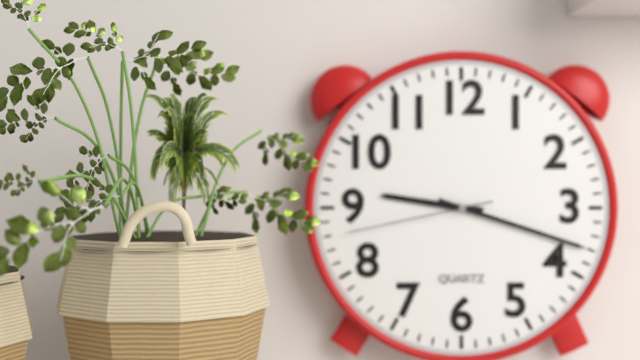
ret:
{"hour": 9, "minute": 18, "second": 43}
